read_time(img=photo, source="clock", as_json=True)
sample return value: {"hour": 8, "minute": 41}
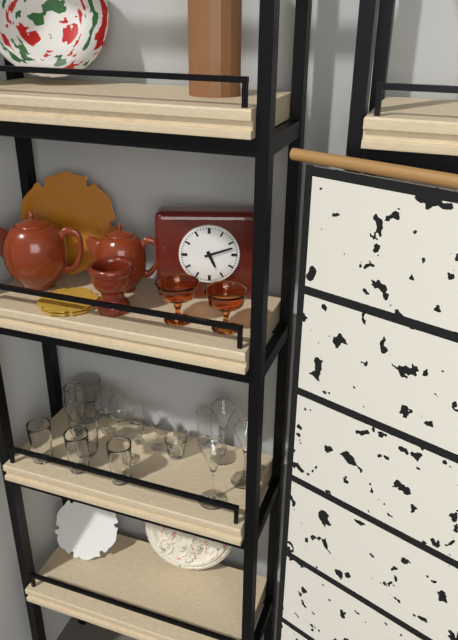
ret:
{"hour": 5, "minute": 12}
